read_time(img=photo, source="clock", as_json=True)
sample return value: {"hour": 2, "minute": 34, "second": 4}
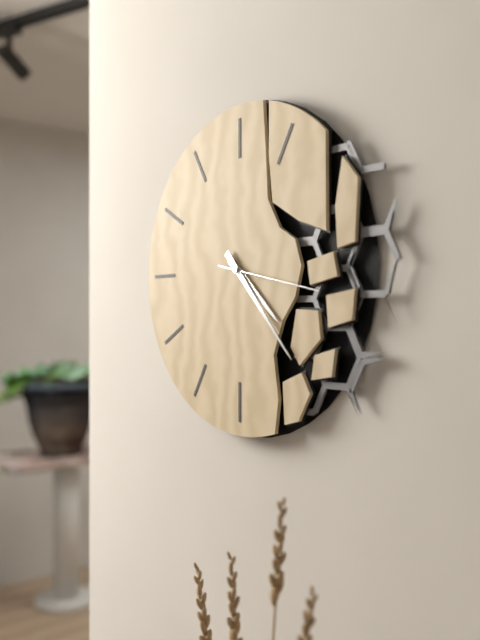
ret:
{"hour": 4, "minute": 23, "second": 17}
